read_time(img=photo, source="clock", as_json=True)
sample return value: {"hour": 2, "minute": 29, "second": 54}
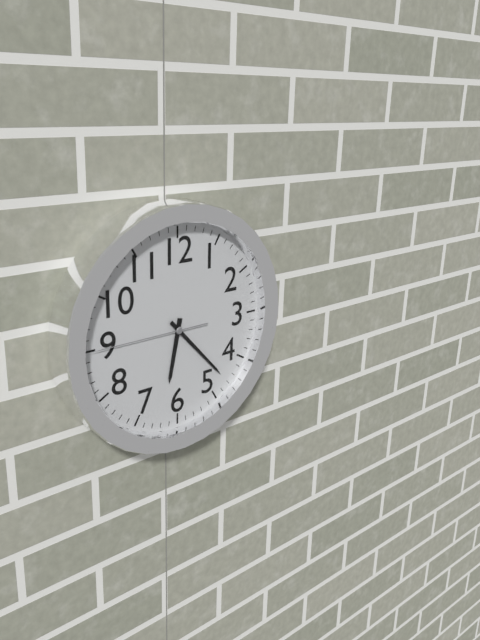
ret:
{"hour": 6, "minute": 23, "second": 45}
